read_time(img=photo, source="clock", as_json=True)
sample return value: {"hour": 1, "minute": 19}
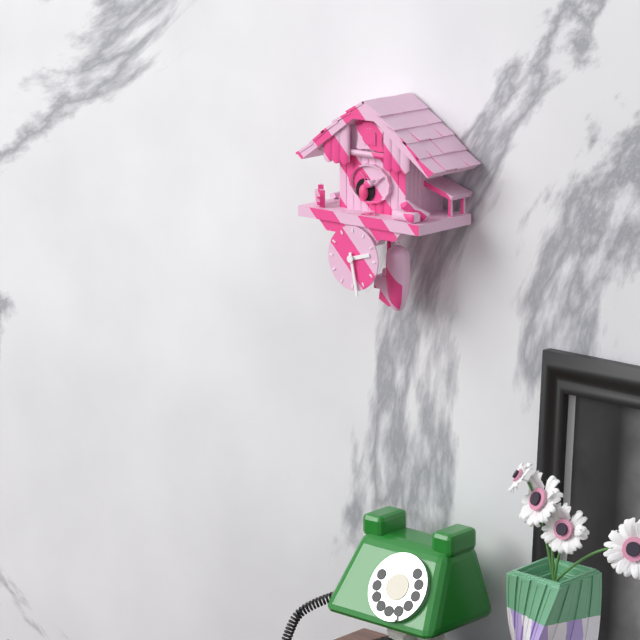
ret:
{"hour": 2, "minute": 28}
